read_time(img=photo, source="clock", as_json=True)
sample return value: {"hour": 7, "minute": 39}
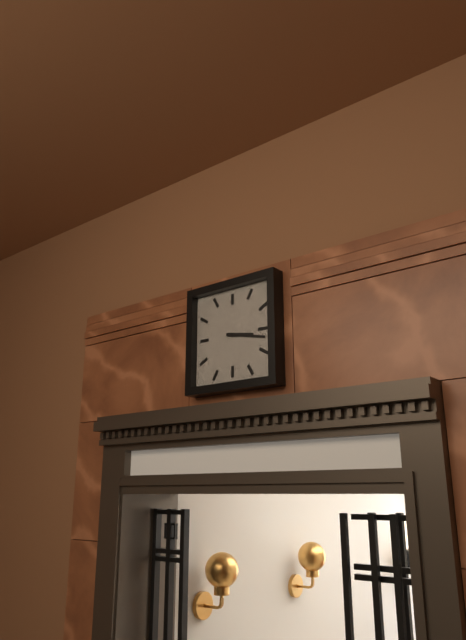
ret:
{"hour": 3, "minute": 17}
